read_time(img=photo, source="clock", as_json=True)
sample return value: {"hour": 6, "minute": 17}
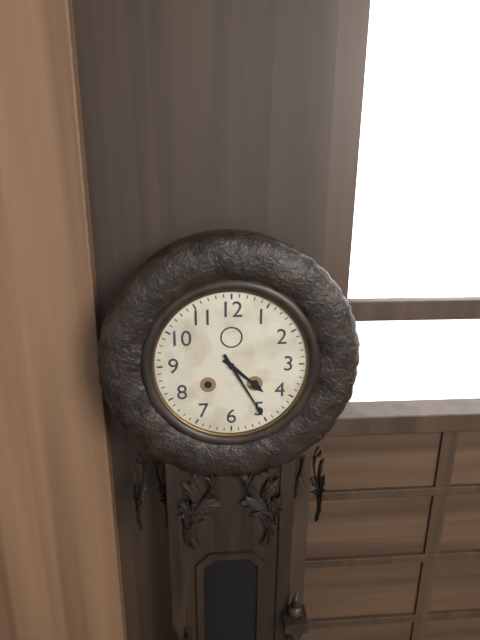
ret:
{"hour": 4, "minute": 25}
